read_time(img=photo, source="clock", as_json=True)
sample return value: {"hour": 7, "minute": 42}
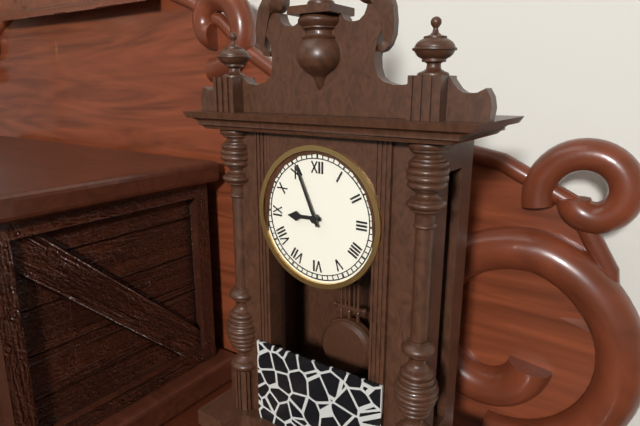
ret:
{"hour": 8, "minute": 56}
